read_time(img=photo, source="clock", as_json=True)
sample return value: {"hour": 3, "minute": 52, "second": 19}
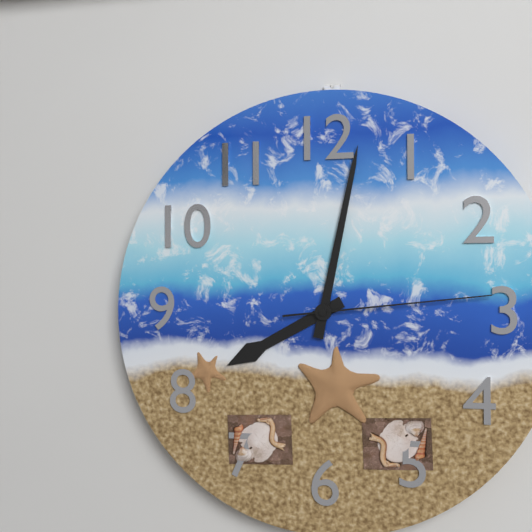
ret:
{"hour": 8, "minute": 2, "second": 14}
